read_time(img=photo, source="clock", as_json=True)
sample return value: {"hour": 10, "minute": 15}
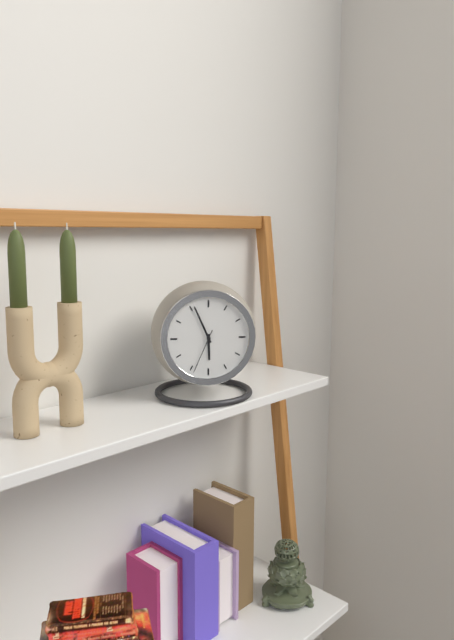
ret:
{"hour": 5, "minute": 56}
